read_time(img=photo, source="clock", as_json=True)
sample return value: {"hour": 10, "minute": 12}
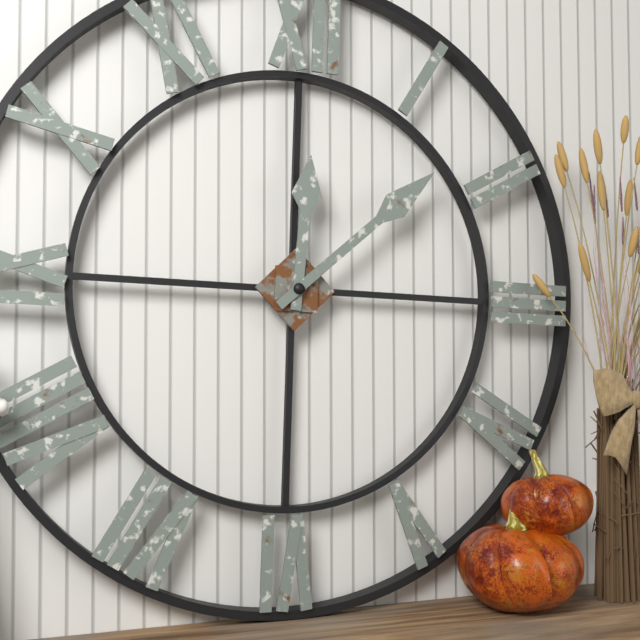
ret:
{"hour": 12, "minute": 8}
